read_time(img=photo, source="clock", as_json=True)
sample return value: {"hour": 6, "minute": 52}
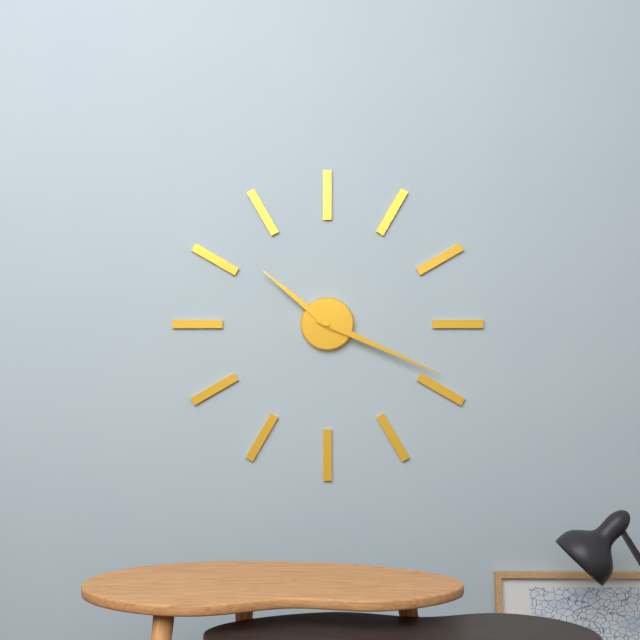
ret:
{"hour": 10, "minute": 19}
